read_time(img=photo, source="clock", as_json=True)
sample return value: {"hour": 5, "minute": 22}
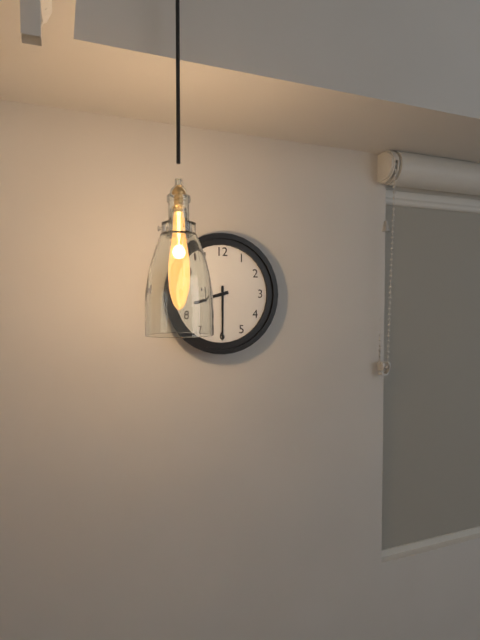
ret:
{"hour": 8, "minute": 30}
